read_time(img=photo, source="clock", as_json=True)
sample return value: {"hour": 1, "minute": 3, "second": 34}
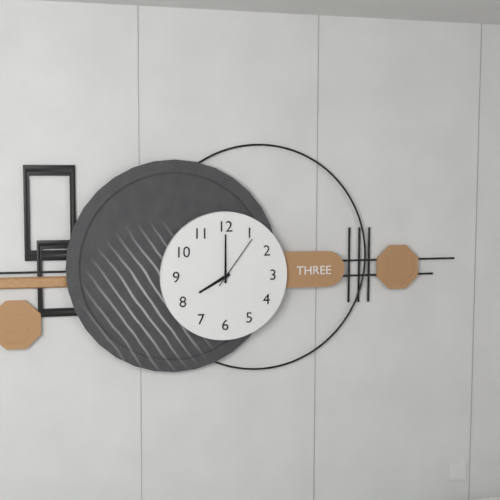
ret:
{"hour": 8, "minute": 0, "second": 6}
